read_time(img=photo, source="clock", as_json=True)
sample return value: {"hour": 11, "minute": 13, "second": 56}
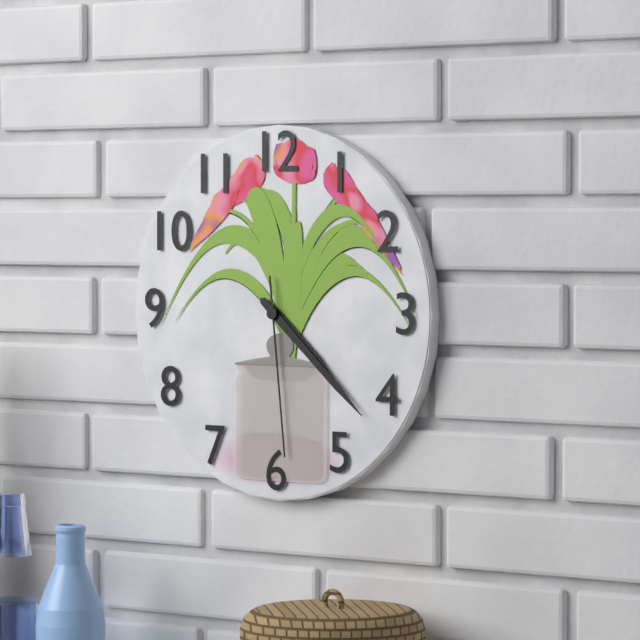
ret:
{"hour": 4, "minute": 22, "second": 29}
